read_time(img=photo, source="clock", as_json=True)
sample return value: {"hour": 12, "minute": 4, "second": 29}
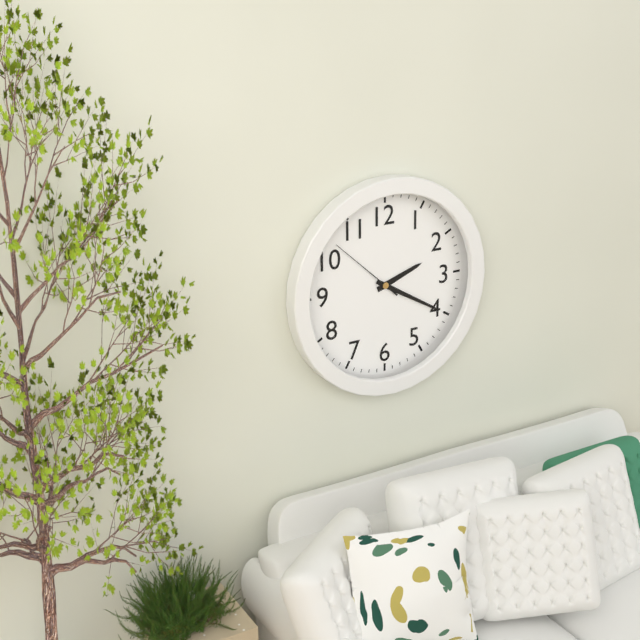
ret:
{"hour": 2, "minute": 20, "second": 52}
